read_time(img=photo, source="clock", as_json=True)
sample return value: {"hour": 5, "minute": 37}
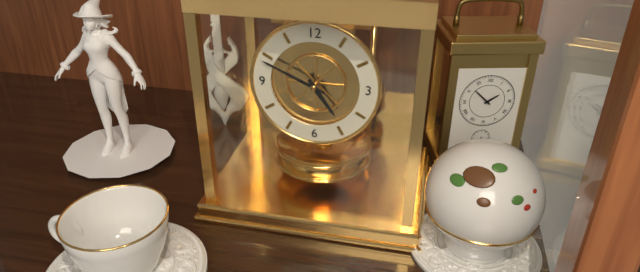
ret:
{"hour": 4, "minute": 49}
